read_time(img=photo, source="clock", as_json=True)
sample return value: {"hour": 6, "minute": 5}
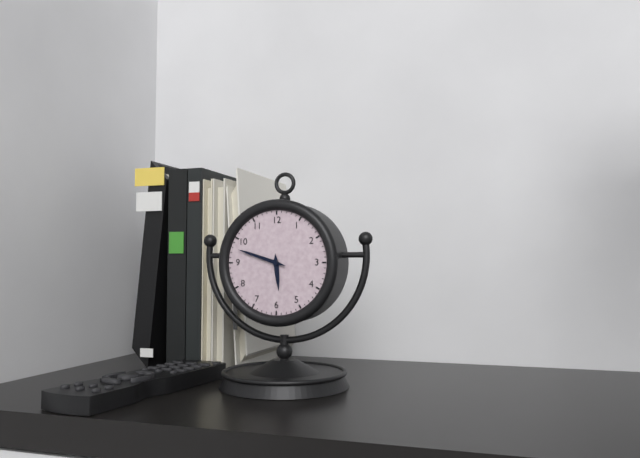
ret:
{"hour": 5, "minute": 48}
